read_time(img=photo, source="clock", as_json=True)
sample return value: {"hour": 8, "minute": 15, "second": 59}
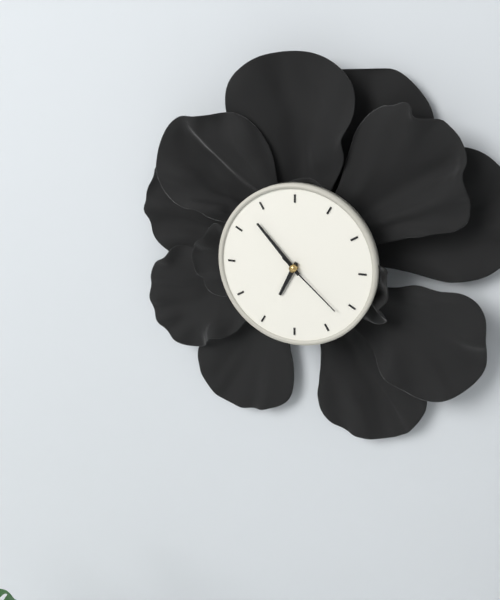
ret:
{"hour": 6, "minute": 53, "second": 22}
